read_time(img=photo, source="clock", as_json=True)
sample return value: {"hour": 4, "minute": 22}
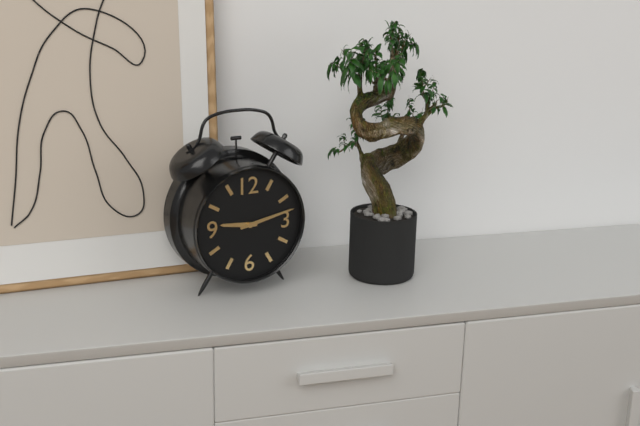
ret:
{"hour": 9, "minute": 13}
